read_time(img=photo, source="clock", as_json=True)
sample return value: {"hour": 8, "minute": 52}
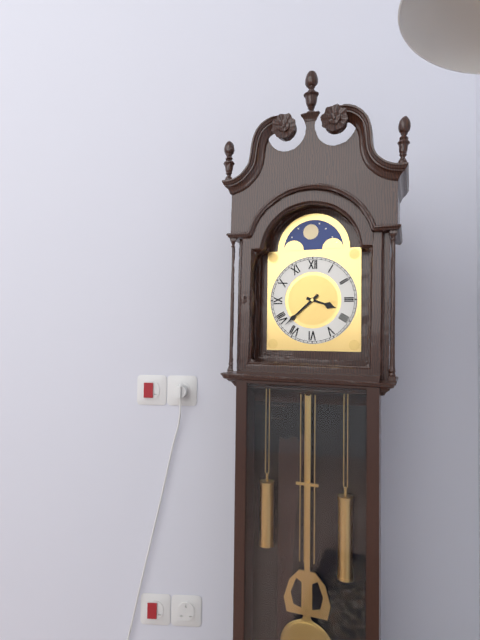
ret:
{"hour": 3, "minute": 38}
